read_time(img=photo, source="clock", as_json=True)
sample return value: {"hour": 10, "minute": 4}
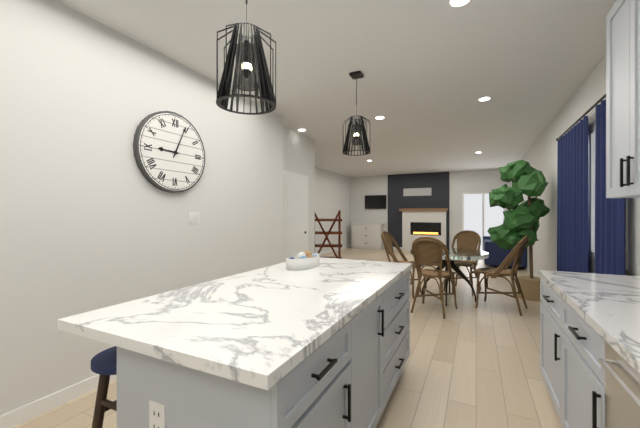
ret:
{"hour": 9, "minute": 4}
